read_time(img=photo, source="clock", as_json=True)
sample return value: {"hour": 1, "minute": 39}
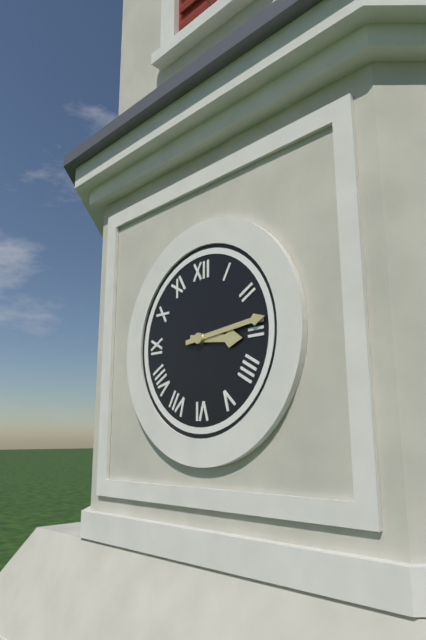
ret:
{"hour": 3, "minute": 14}
